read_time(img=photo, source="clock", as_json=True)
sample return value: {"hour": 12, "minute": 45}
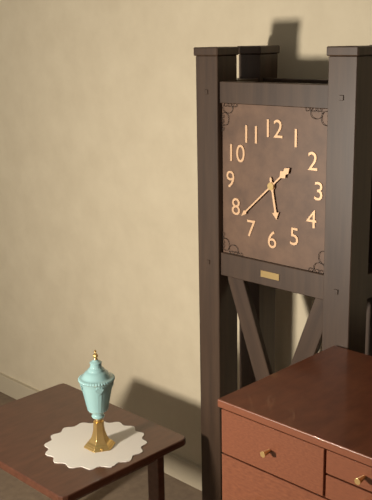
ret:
{"hour": 5, "minute": 38}
